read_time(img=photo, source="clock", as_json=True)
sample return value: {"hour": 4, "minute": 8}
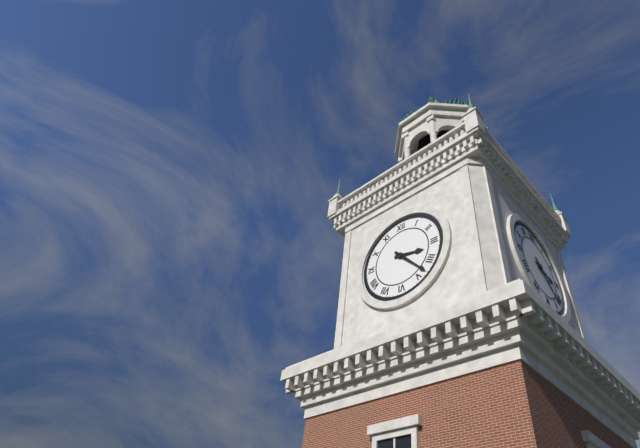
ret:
{"hour": 3, "minute": 23}
